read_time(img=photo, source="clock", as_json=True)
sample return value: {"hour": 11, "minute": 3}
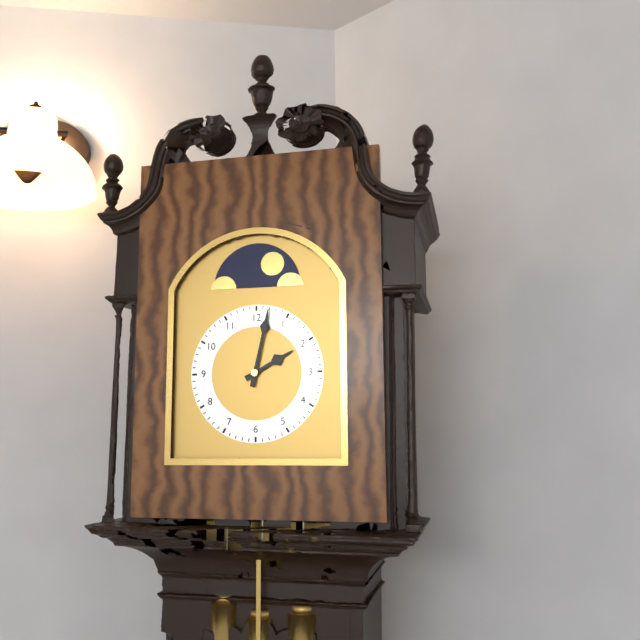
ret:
{"hour": 2, "minute": 2}
